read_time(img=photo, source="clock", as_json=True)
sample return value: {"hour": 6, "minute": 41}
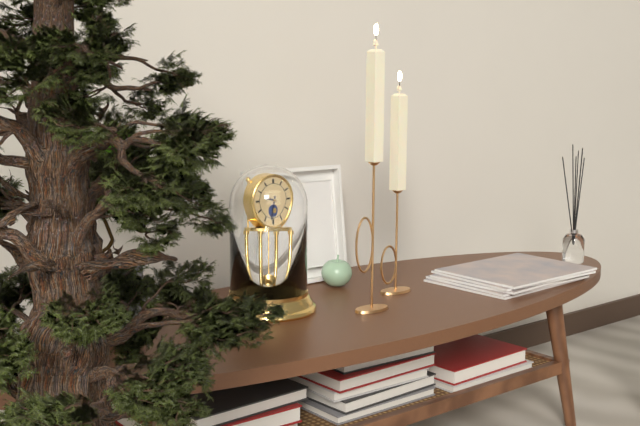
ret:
{"hour": 9, "minute": 32}
